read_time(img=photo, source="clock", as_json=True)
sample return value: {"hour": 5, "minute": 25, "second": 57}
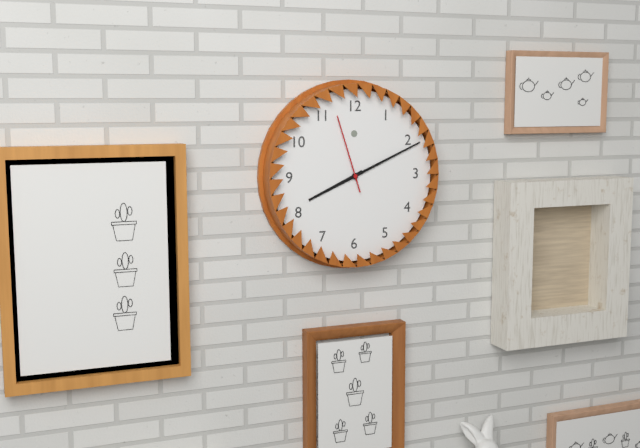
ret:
{"hour": 8, "minute": 11, "second": 57}
